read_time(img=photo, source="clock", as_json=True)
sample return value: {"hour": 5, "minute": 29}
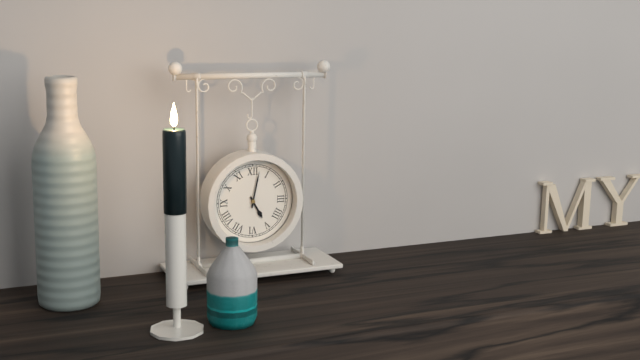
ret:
{"hour": 5, "minute": 2}
